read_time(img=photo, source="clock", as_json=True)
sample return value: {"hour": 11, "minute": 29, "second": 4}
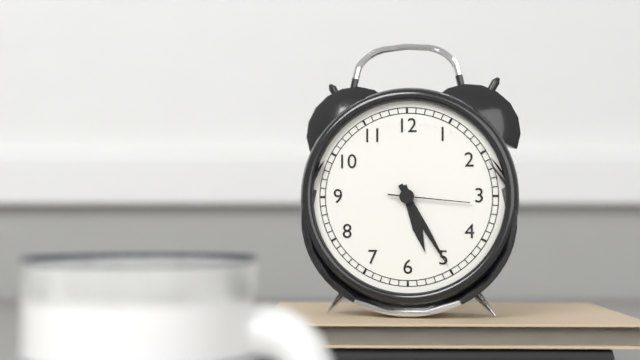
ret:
{"hour": 5, "minute": 25, "second": 16}
